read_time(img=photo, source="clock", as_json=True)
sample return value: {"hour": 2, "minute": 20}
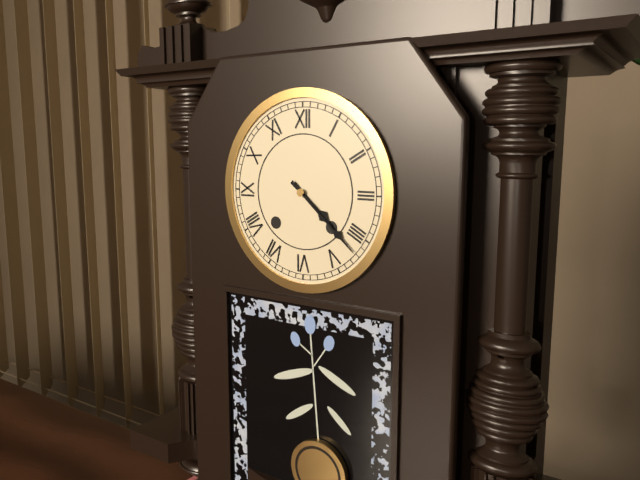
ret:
{"hour": 4, "minute": 22}
